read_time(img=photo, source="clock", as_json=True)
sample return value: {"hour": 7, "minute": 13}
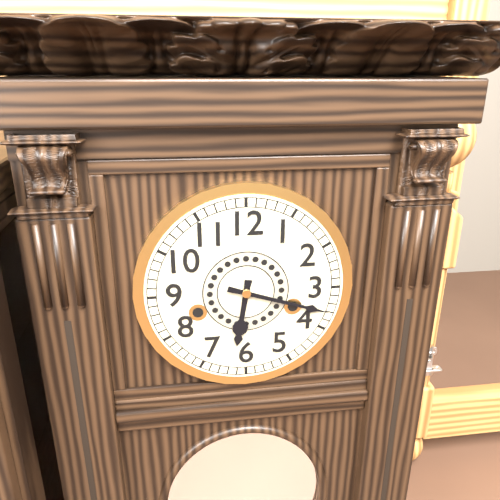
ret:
{"hour": 6, "minute": 18}
